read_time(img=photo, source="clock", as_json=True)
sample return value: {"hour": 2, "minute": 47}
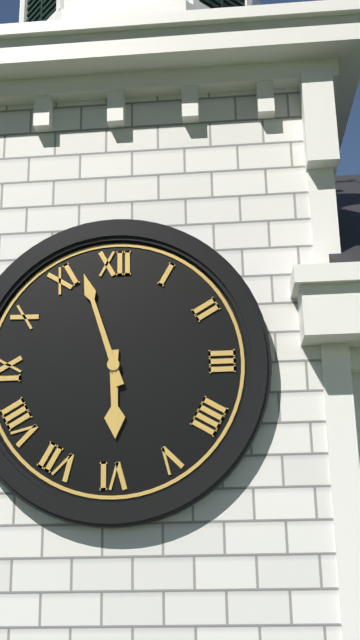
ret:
{"hour": 5, "minute": 57}
